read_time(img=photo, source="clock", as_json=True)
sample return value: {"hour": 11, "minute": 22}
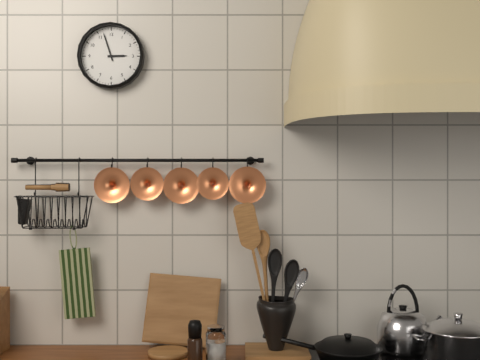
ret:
{"hour": 2, "minute": 57}
